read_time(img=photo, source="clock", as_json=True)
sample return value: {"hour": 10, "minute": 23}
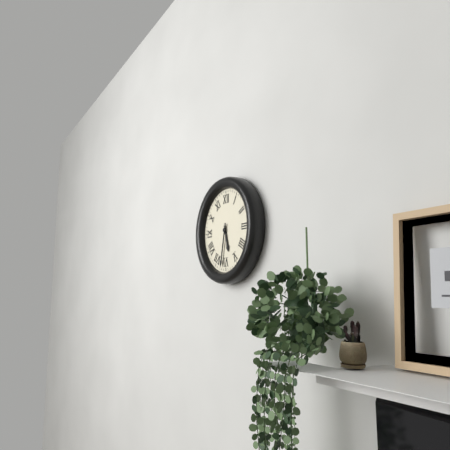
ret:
{"hour": 5, "minute": 32}
